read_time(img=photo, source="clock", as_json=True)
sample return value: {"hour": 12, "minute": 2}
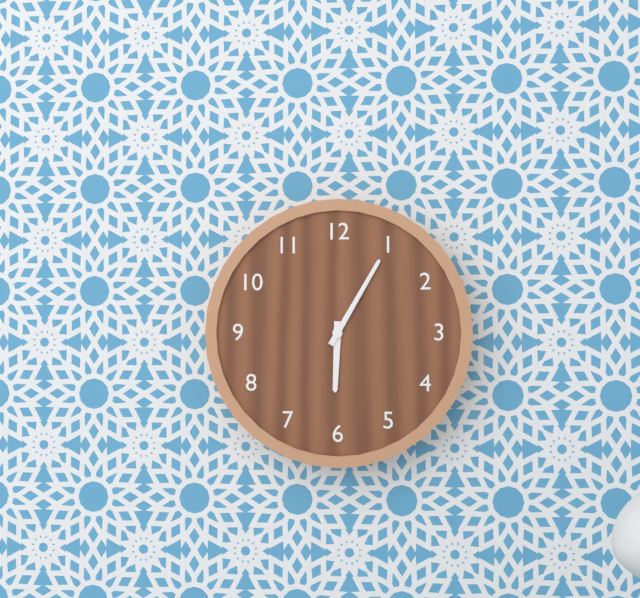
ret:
{"hour": 6, "minute": 5}
